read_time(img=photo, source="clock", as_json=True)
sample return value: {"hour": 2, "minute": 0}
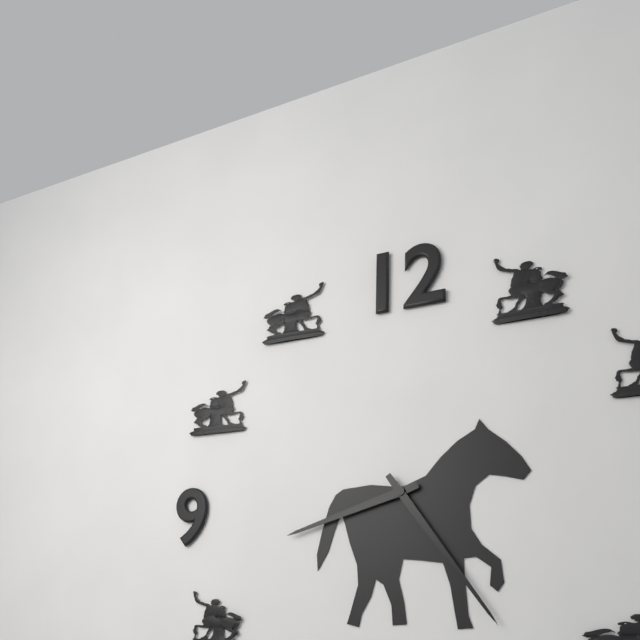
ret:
{"hour": 8, "minute": 24}
